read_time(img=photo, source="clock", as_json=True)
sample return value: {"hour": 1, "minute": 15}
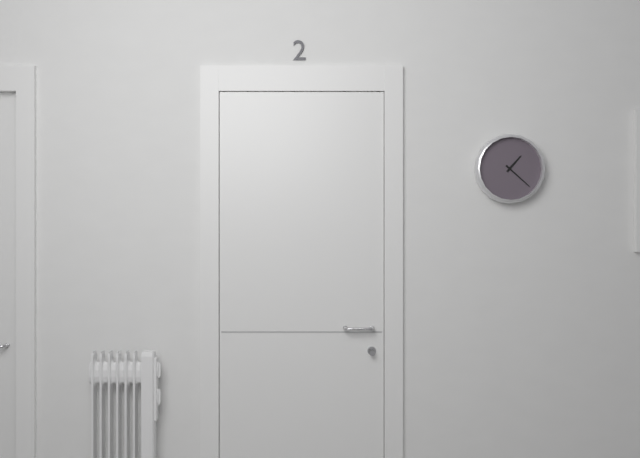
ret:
{"hour": 1, "minute": 22}
